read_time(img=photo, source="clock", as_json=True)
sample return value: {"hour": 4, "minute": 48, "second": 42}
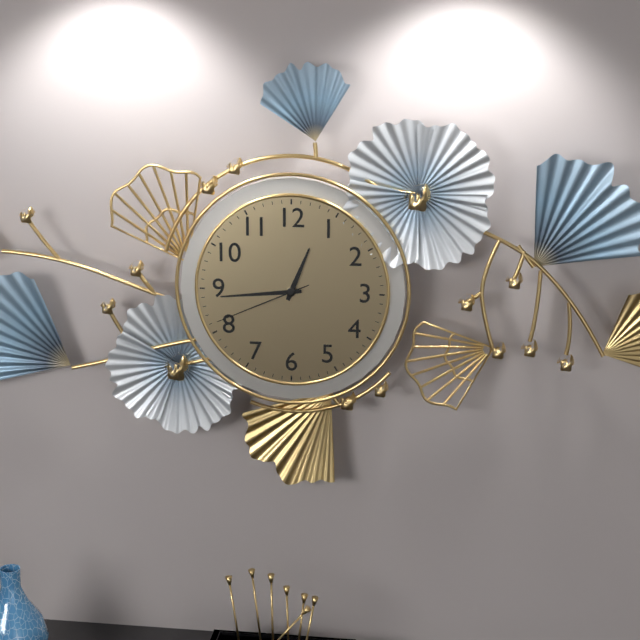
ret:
{"hour": 12, "minute": 44, "second": 41}
